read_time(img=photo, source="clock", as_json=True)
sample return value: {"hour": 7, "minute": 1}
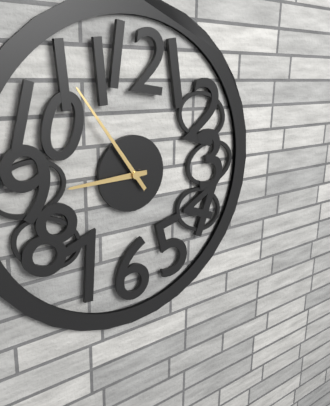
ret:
{"hour": 8, "minute": 54}
